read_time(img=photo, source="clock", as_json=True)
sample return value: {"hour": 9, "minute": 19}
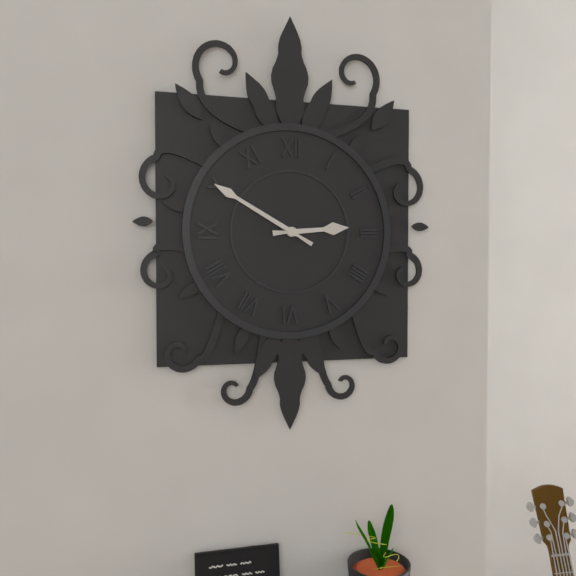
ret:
{"hour": 2, "minute": 50}
